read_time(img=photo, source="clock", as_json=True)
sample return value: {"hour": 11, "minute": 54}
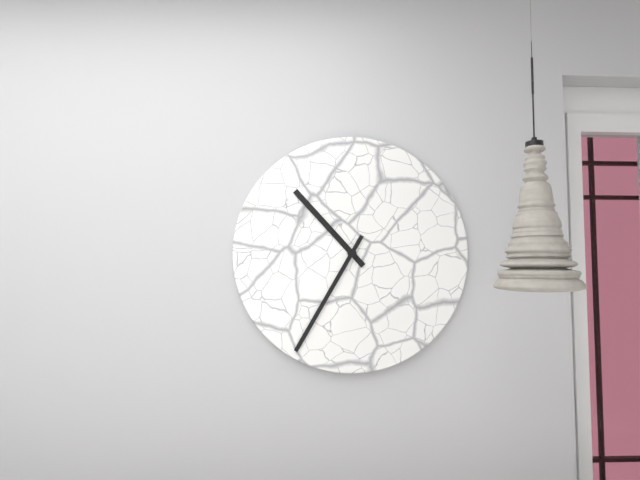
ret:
{"hour": 10, "minute": 35}
